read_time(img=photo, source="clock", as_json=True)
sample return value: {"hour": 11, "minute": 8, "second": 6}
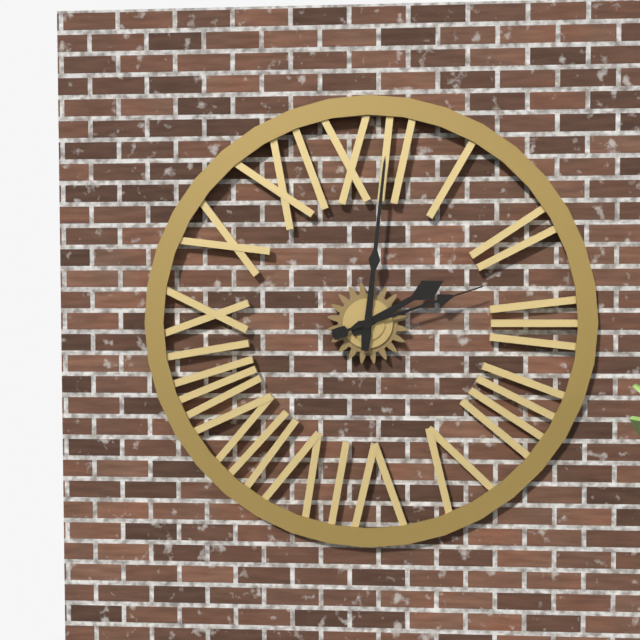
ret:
{"hour": 2, "minute": 1, "second": 12}
